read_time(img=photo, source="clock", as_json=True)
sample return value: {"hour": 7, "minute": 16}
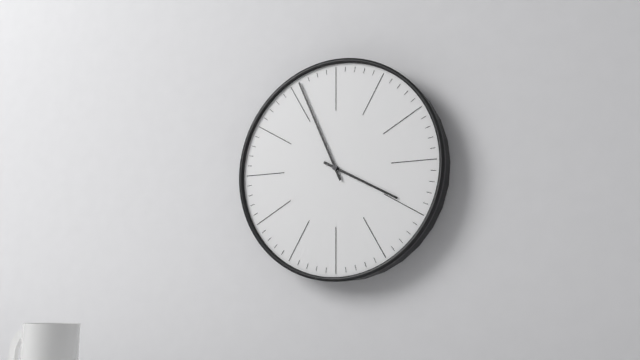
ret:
{"hour": 3, "minute": 56}
